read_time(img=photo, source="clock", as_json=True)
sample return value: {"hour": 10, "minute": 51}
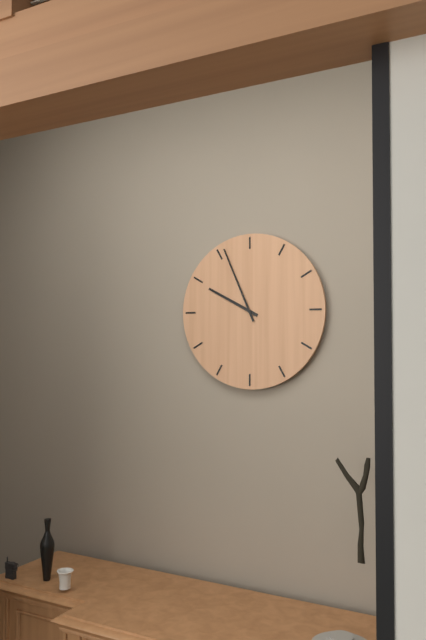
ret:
{"hour": 9, "minute": 56}
